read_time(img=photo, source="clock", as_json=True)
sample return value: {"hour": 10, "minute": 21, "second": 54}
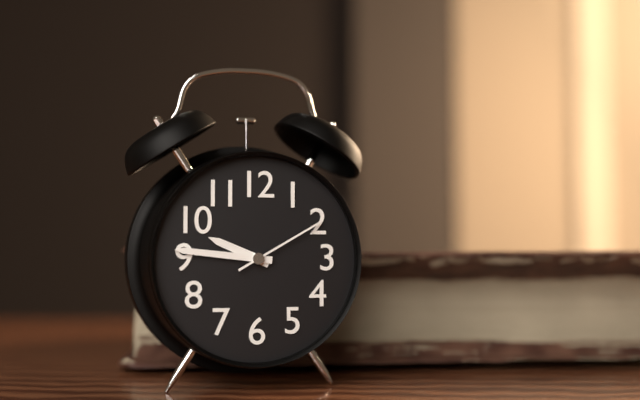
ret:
{"hour": 9, "minute": 46, "second": 10}
